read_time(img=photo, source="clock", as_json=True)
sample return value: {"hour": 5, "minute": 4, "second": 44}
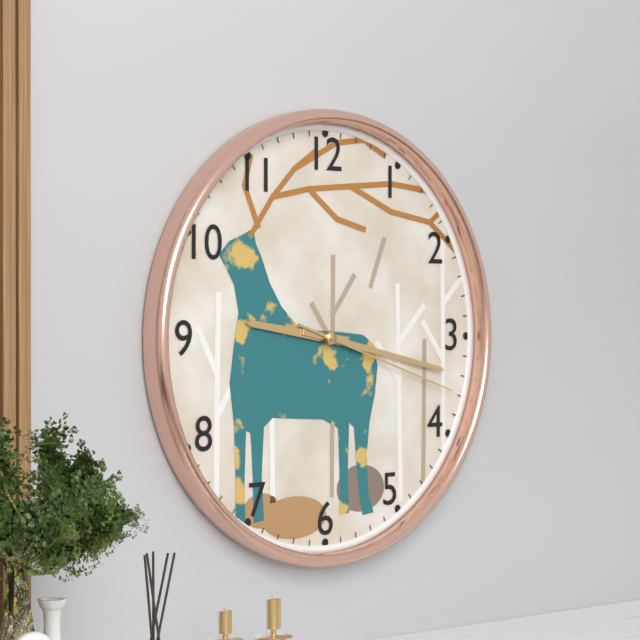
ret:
{"hour": 9, "minute": 17, "second": 18}
